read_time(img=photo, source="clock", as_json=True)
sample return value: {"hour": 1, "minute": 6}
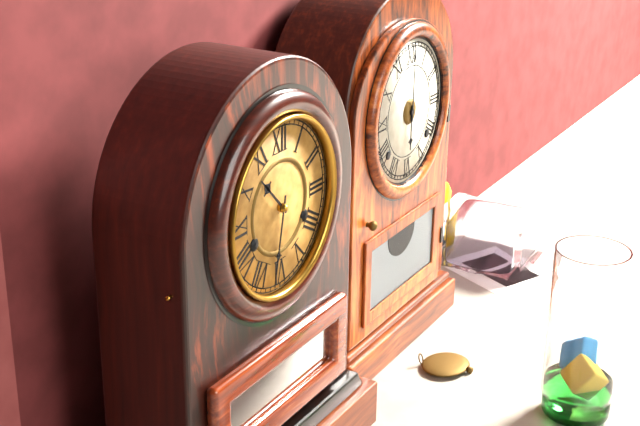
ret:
{"hour": 10, "minute": 32}
